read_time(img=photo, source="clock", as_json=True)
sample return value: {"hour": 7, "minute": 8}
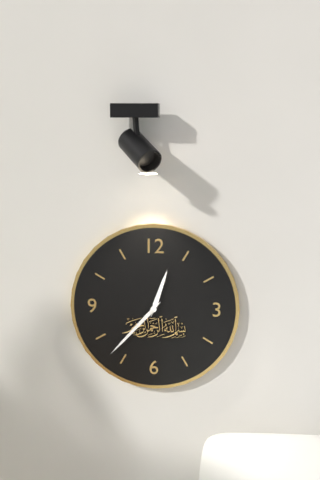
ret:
{"hour": 12, "minute": 37}
